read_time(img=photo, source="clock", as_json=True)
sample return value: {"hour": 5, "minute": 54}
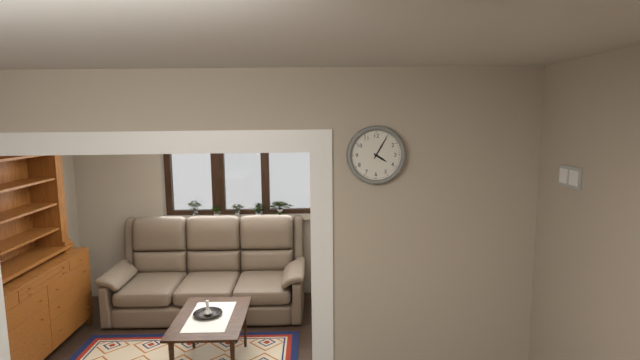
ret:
{"hour": 4, "minute": 5}
